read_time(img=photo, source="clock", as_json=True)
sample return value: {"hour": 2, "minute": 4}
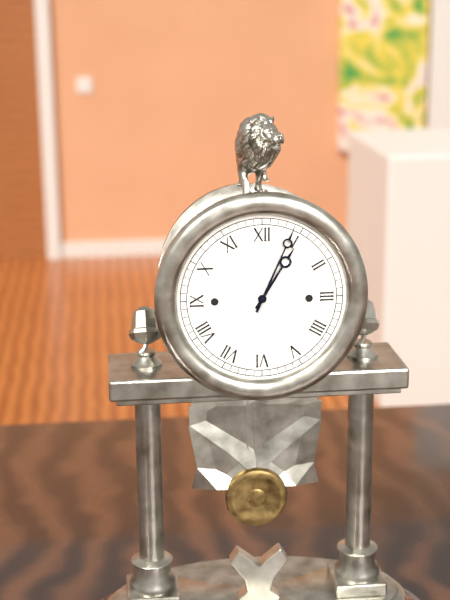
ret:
{"hour": 1, "minute": 4}
